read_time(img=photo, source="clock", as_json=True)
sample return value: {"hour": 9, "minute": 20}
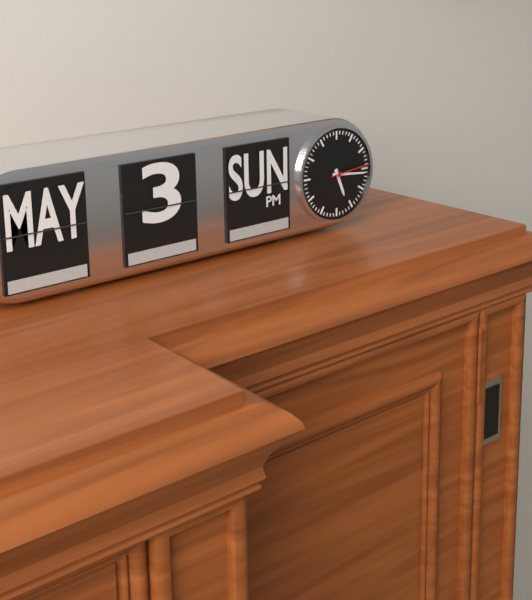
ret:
{"hour": 5, "minute": 16}
